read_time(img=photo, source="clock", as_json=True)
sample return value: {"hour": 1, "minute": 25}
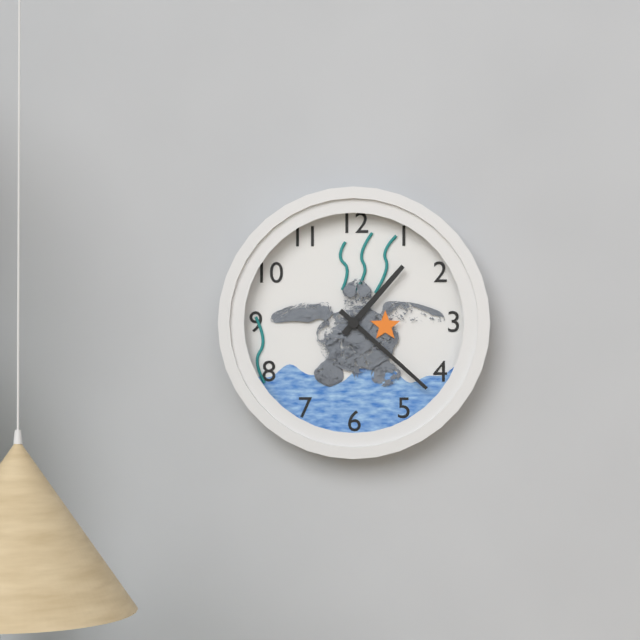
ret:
{"hour": 1, "minute": 22}
